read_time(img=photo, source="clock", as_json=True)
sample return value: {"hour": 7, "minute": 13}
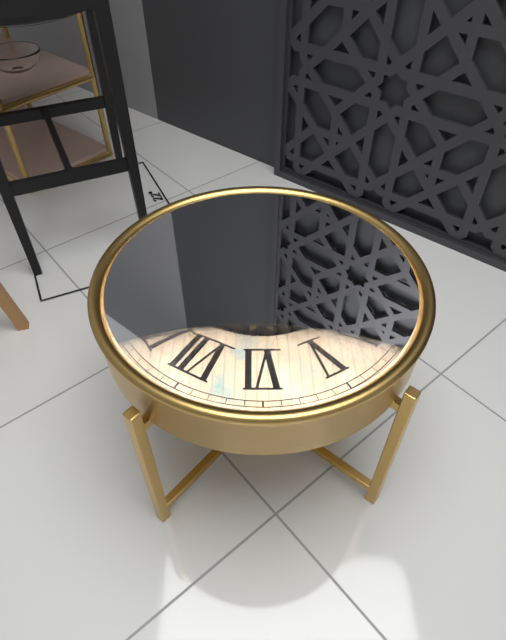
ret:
{"hour": 11, "minute": 9}
